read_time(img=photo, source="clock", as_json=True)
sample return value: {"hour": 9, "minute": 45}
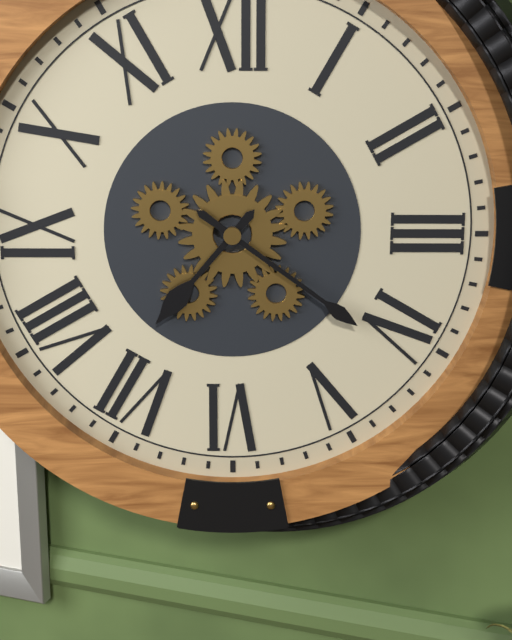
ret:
{"hour": 7, "minute": 21}
